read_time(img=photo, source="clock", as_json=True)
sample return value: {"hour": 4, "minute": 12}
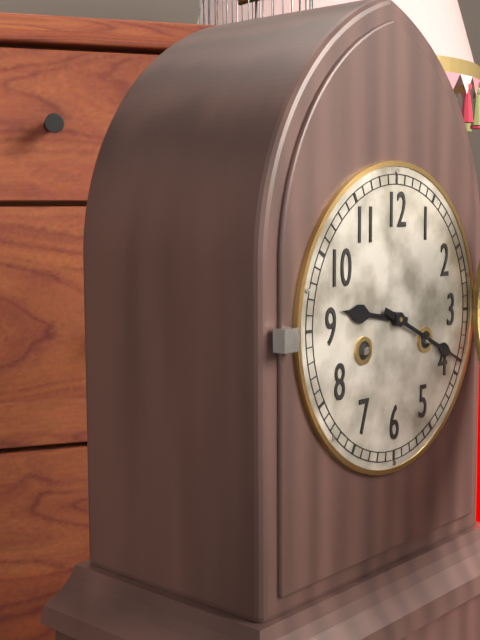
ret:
{"hour": 9, "minute": 19}
